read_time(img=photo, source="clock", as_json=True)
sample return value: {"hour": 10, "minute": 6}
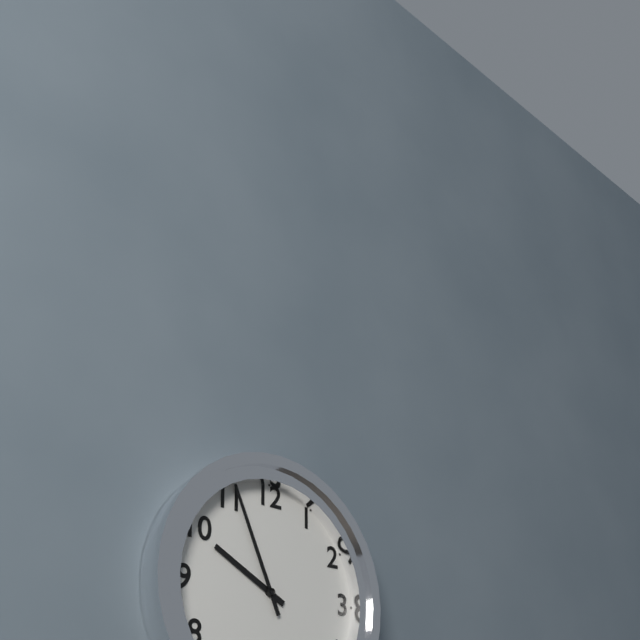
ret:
{"hour": 9, "minute": 56}
